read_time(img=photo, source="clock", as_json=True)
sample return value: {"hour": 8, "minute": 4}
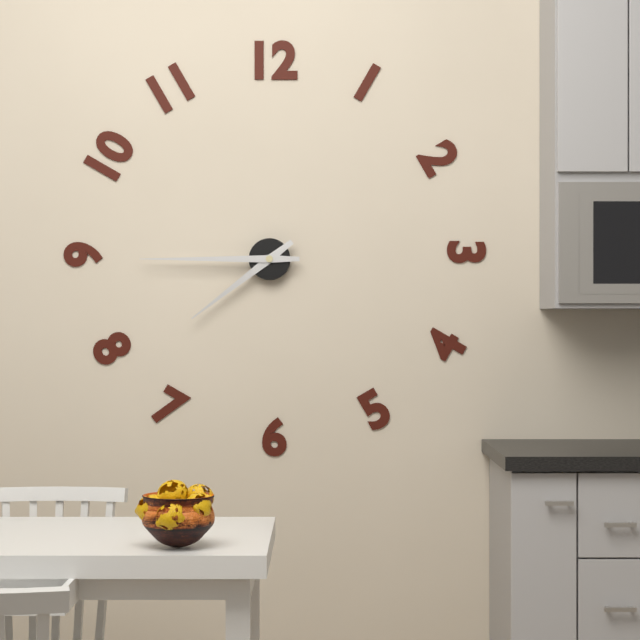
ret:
{"hour": 7, "minute": 45}
